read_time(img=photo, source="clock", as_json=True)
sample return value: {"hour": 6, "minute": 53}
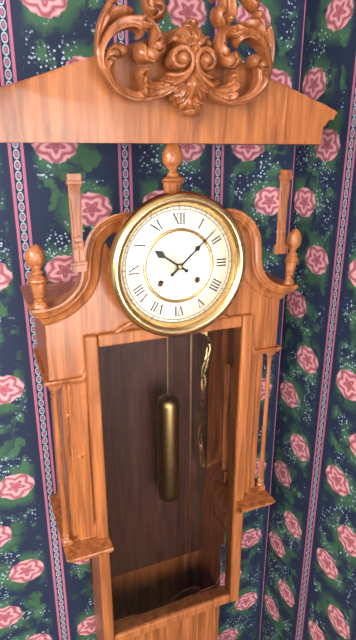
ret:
{"hour": 10, "minute": 8}
